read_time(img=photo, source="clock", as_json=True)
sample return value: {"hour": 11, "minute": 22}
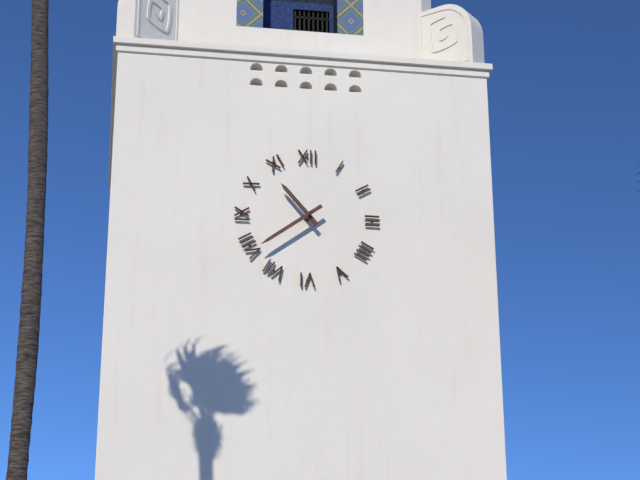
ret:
{"hour": 10, "minute": 39}
